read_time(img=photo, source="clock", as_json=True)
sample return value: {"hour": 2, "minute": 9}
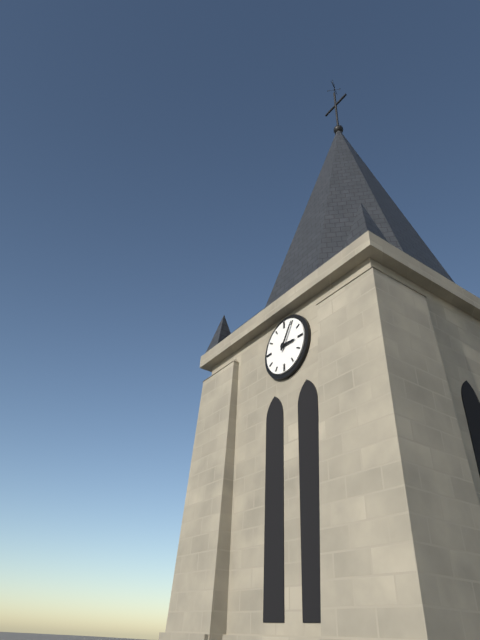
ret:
{"hour": 3, "minute": 5}
